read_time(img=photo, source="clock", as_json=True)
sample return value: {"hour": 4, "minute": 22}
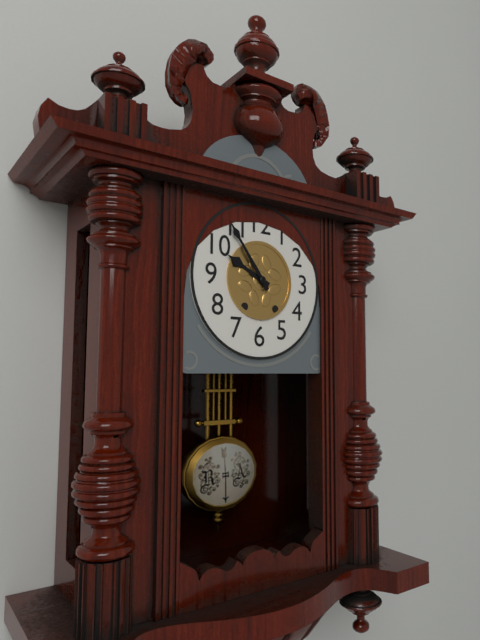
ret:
{"hour": 9, "minute": 54}
